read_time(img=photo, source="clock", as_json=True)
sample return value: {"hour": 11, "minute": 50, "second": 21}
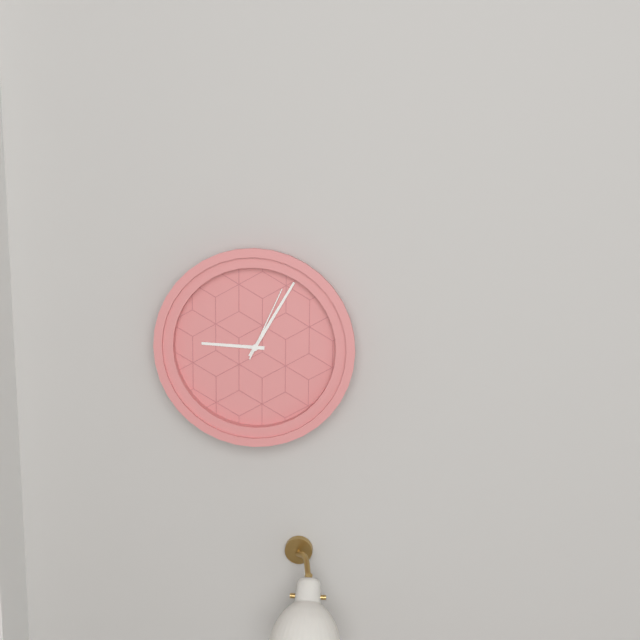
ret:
{"hour": 9, "minute": 5, "second": 4}
